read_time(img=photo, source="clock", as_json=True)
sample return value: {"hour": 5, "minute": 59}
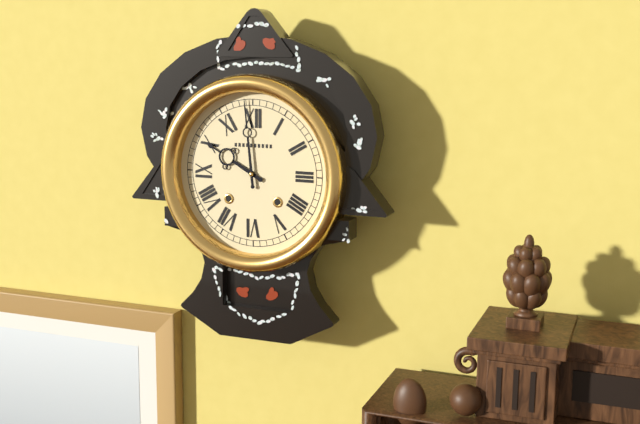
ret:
{"hour": 9, "minute": 59}
